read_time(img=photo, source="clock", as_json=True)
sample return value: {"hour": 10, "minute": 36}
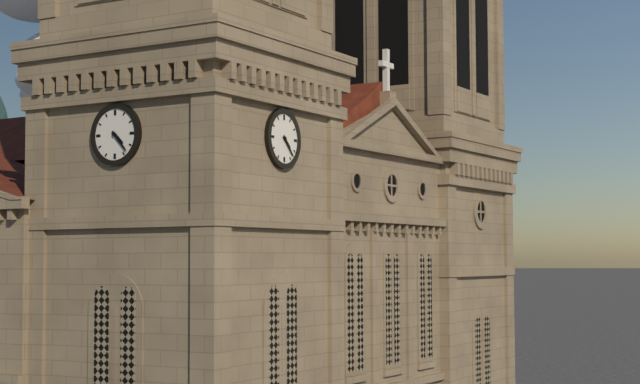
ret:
{"hour": 4, "minute": 23}
